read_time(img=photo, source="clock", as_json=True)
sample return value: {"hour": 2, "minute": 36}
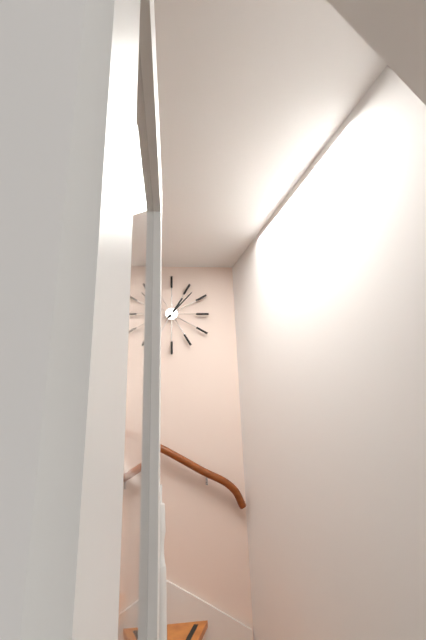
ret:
{"hour": 1, "minute": 7}
